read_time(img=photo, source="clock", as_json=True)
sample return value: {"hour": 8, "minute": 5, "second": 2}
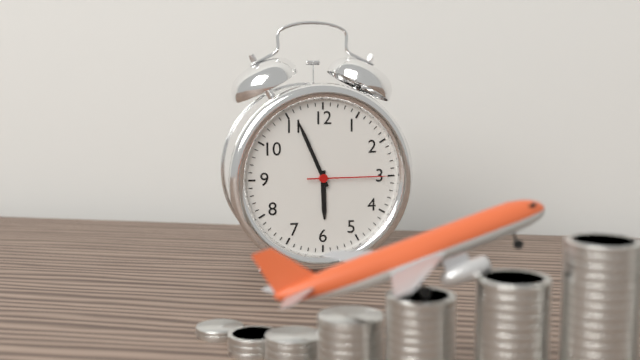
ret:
{"hour": 5, "minute": 56, "second": 15}
